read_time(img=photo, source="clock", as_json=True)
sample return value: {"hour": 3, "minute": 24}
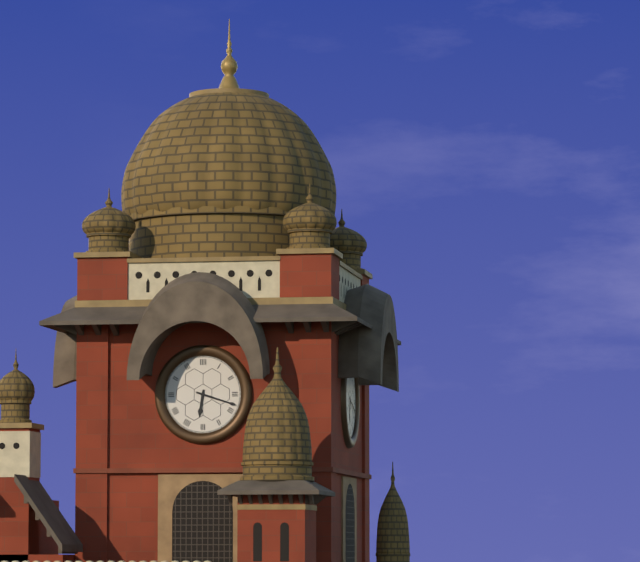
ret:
{"hour": 6, "minute": 18}
